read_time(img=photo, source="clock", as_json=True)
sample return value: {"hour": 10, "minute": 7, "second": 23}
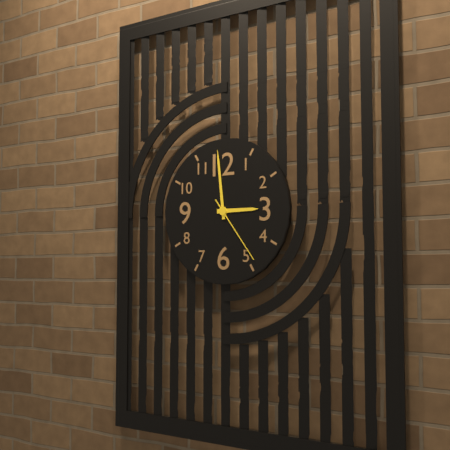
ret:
{"hour": 2, "minute": 59, "second": 24}
